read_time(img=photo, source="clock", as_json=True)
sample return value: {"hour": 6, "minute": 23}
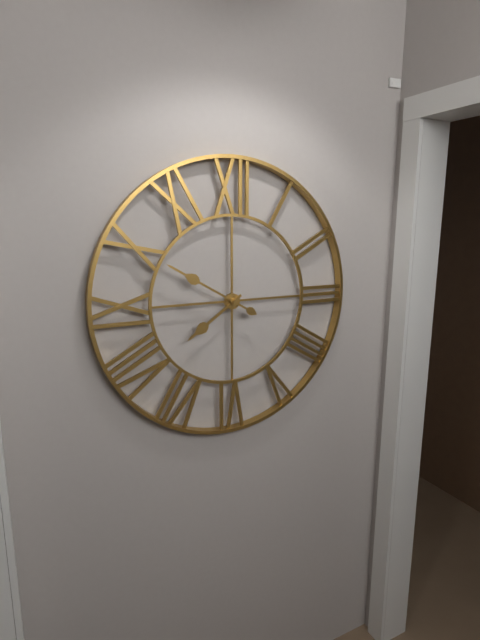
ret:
{"hour": 7, "minute": 50}
